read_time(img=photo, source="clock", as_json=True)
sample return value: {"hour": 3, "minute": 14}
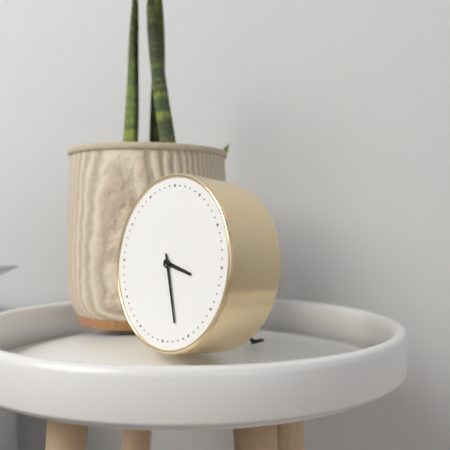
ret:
{"hour": 3, "minute": 27}
